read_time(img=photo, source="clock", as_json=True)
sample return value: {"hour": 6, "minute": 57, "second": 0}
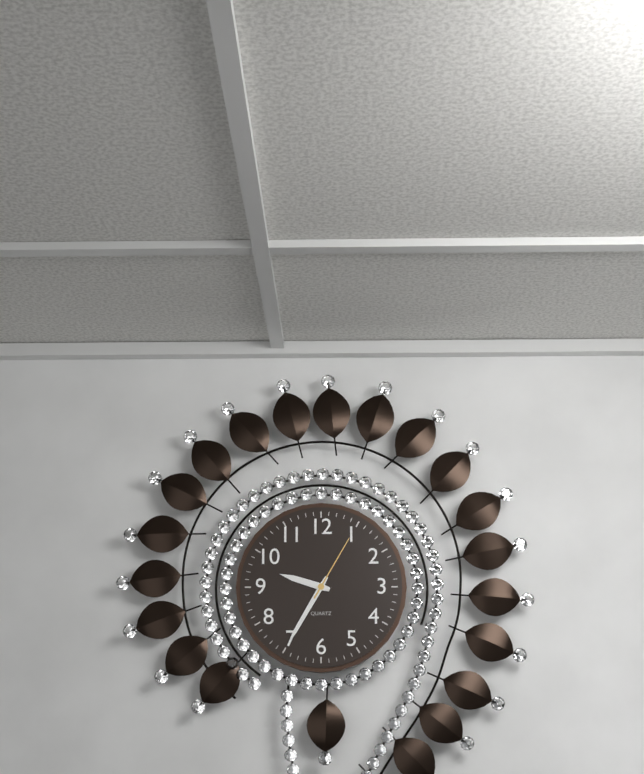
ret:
{"hour": 9, "minute": 35, "second": 5}
